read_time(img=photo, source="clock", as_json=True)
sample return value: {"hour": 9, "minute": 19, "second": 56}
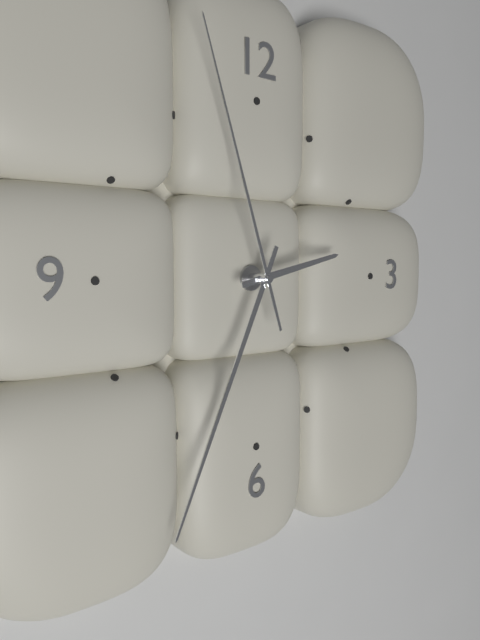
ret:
{"hour": 2, "minute": 34, "second": 57}
